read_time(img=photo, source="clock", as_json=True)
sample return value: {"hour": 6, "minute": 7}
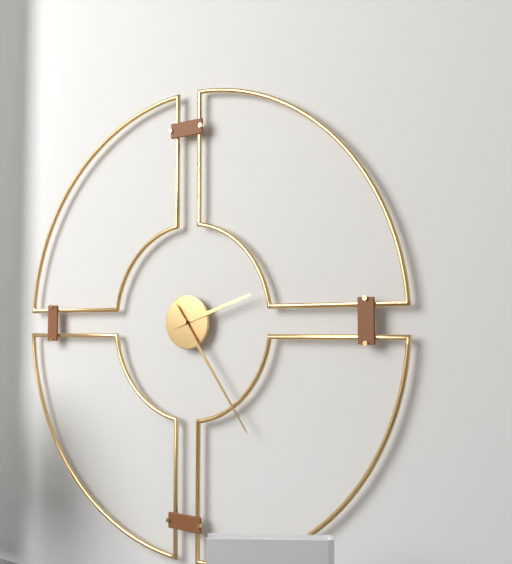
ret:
{"hour": 2, "minute": 24}
